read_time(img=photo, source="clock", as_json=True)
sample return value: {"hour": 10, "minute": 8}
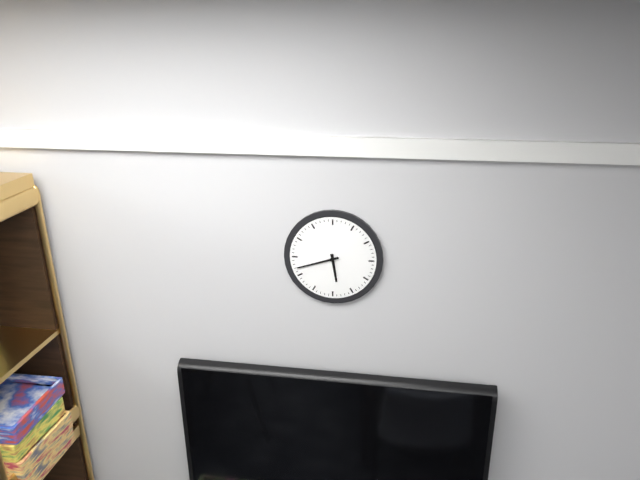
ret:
{"hour": 5, "minute": 42}
